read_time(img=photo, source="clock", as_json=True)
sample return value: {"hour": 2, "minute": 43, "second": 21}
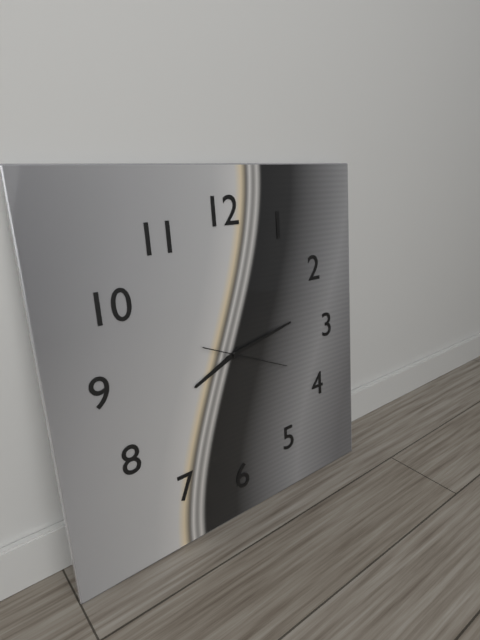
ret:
{"hour": 8, "minute": 13, "second": 19}
